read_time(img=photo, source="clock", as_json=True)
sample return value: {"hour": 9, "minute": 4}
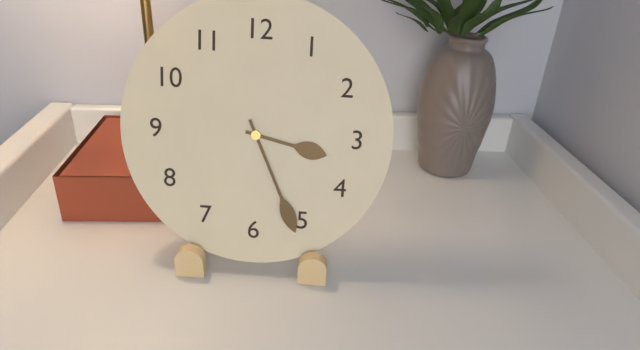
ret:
{"hour": 3, "minute": 26}
